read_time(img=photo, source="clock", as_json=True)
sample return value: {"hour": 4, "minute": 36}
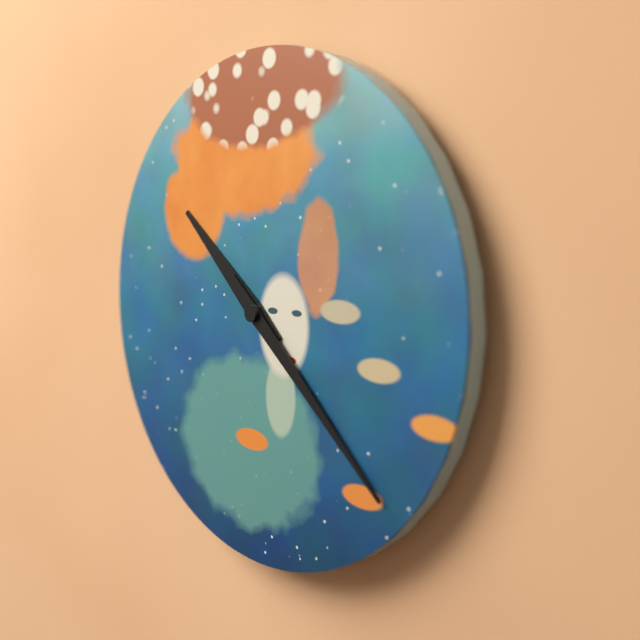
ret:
{"hour": 10, "minute": 22}
